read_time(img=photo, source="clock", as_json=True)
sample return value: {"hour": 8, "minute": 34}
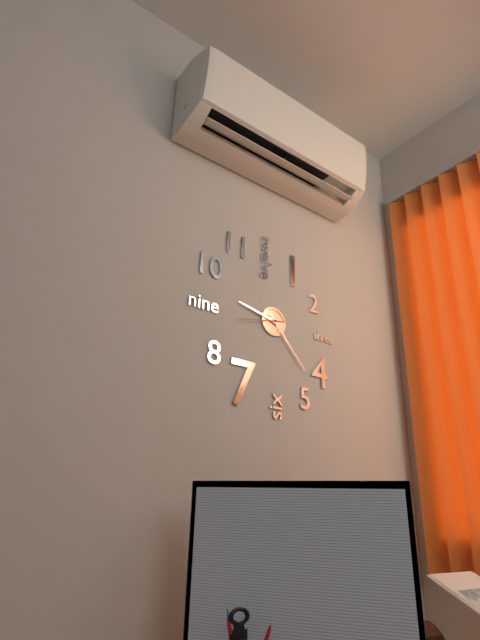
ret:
{"hour": 9, "minute": 23}
